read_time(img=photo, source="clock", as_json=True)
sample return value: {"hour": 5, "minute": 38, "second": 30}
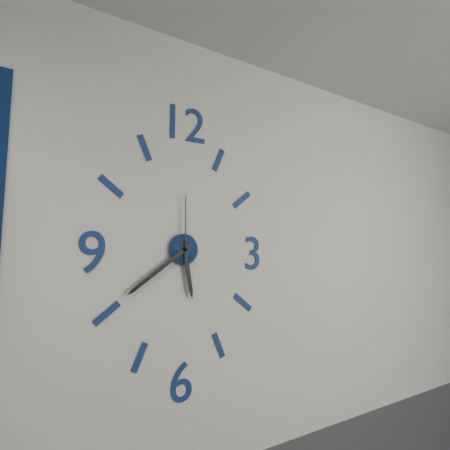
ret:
{"hour": 5, "minute": 39, "second": 0}
